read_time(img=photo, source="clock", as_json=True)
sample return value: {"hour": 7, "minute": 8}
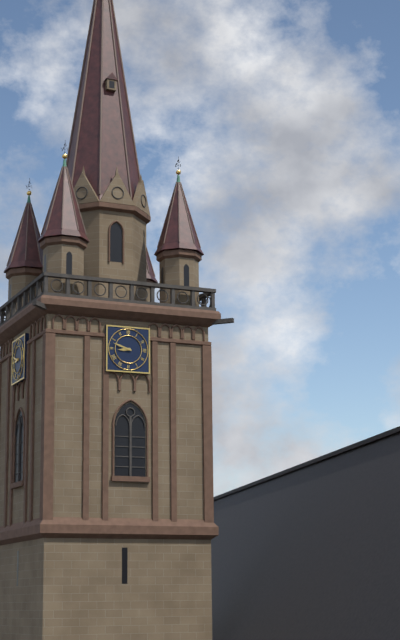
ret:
{"hour": 8, "minute": 48}
